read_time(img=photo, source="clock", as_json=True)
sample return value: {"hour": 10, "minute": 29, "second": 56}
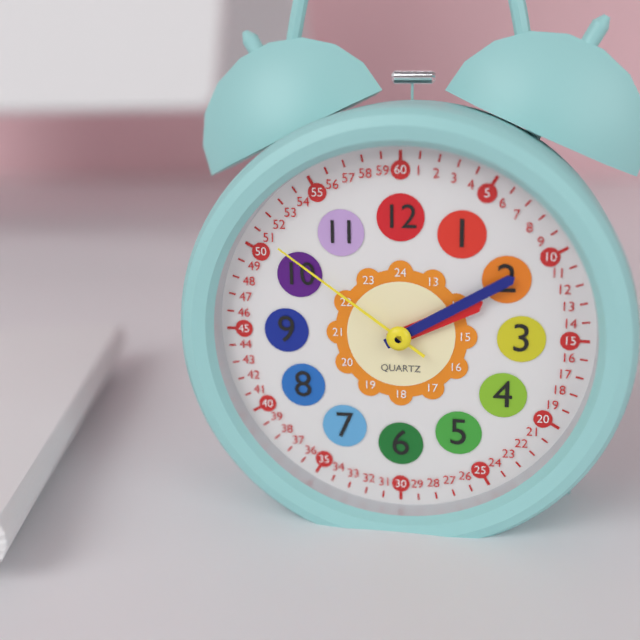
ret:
{"hour": 2, "minute": 10, "second": 51}
